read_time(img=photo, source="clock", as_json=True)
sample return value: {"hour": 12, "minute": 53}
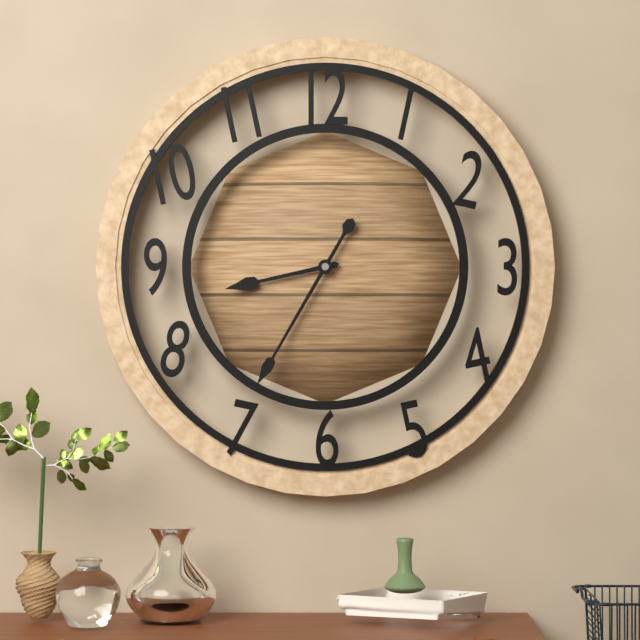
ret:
{"hour": 8, "minute": 35}
